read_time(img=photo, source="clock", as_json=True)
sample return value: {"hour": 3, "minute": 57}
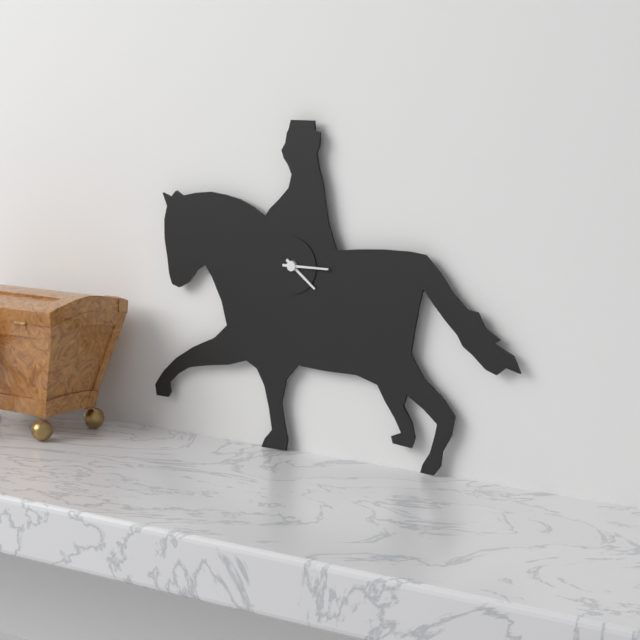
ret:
{"hour": 4, "minute": 15}
